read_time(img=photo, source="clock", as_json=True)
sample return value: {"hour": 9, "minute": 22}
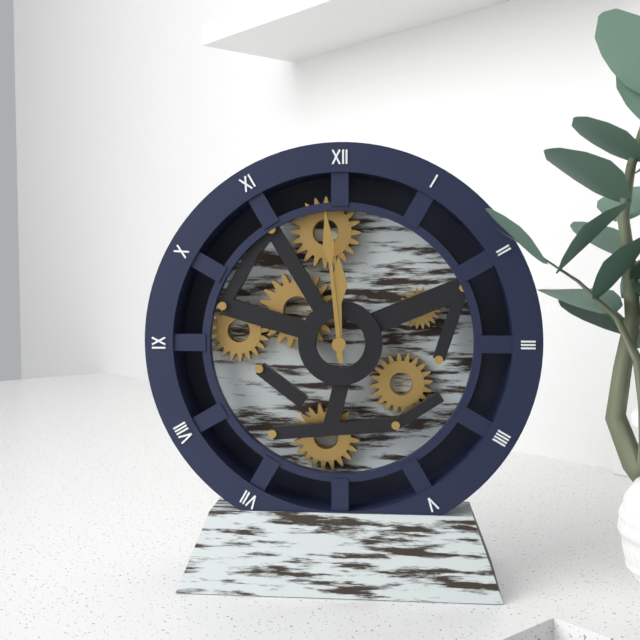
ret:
{"hour": 11, "minute": 59}
